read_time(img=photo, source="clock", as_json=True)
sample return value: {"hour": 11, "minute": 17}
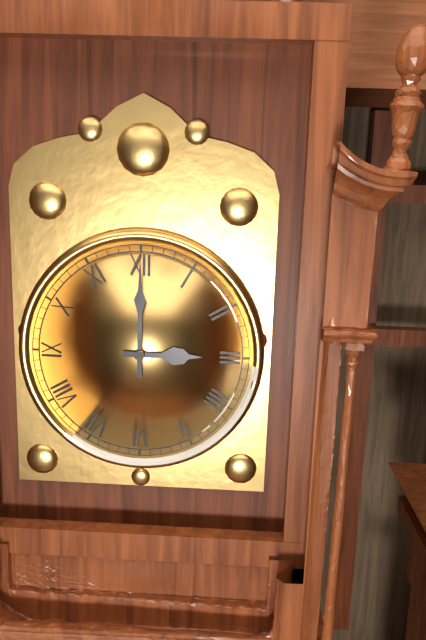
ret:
{"hour": 3, "minute": 0}
